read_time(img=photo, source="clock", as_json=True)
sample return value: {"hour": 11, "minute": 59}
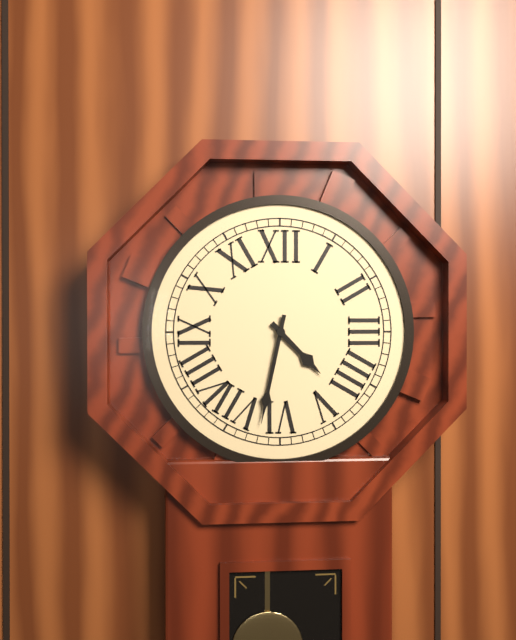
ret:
{"hour": 4, "minute": 32}
